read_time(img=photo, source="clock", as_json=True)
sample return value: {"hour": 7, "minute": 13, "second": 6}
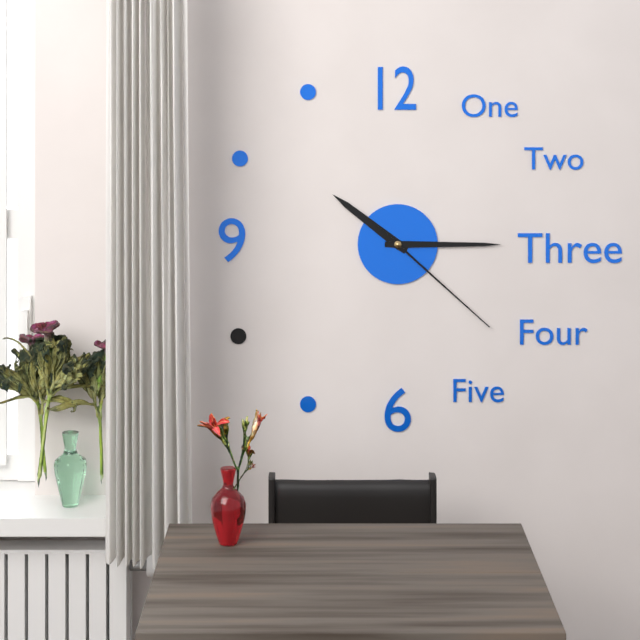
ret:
{"hour": 10, "minute": 15, "second": 22}
